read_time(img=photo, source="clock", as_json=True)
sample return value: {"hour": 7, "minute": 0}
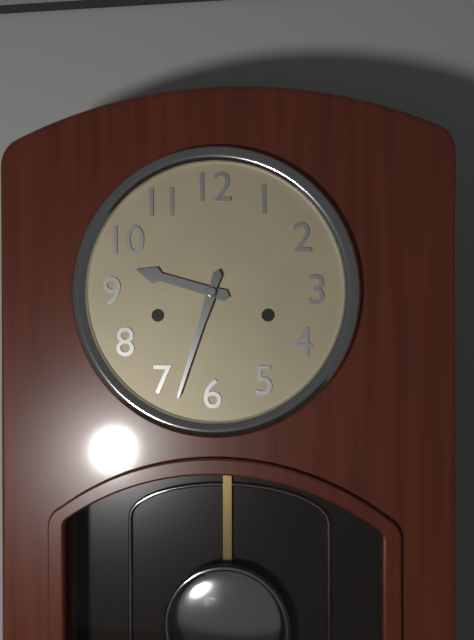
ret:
{"hour": 9, "minute": 33}
